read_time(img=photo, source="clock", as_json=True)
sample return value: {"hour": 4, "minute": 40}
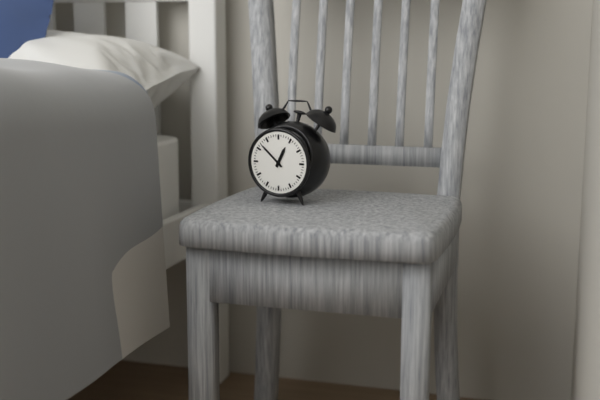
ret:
{"hour": 12, "minute": 52}
